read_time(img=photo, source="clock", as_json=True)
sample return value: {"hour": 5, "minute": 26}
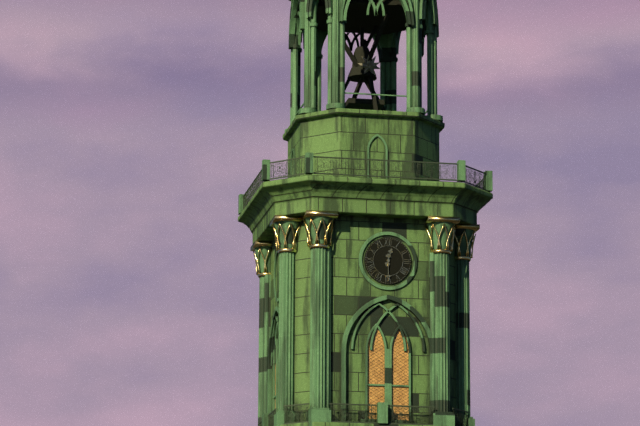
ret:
{"hour": 12, "minute": 30}
